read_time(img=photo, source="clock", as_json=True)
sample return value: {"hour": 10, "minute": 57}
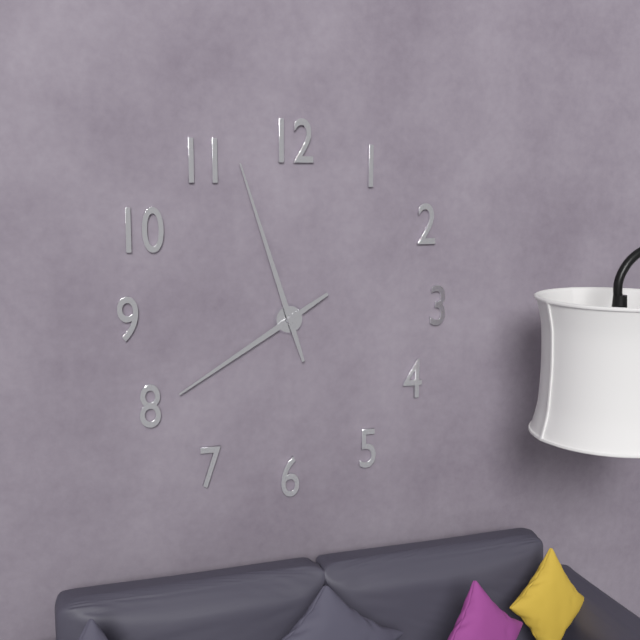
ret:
{"hour": 7, "minute": 57}
